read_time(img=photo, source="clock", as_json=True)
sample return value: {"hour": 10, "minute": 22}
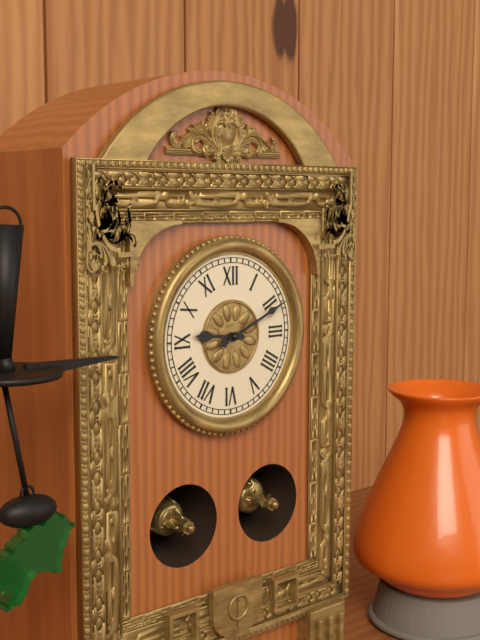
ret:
{"hour": 9, "minute": 11}
